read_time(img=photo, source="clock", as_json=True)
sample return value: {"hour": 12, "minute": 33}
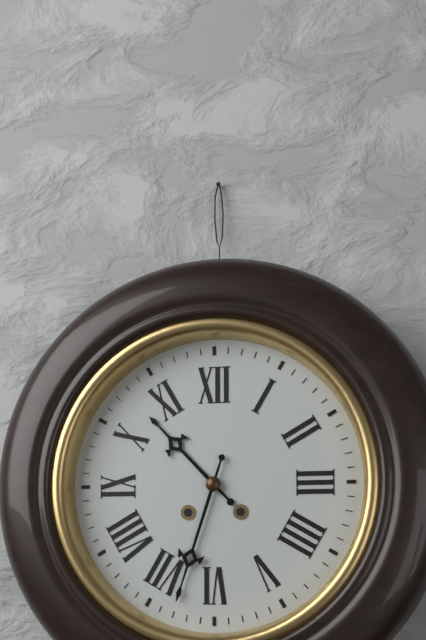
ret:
{"hour": 10, "minute": 33}
